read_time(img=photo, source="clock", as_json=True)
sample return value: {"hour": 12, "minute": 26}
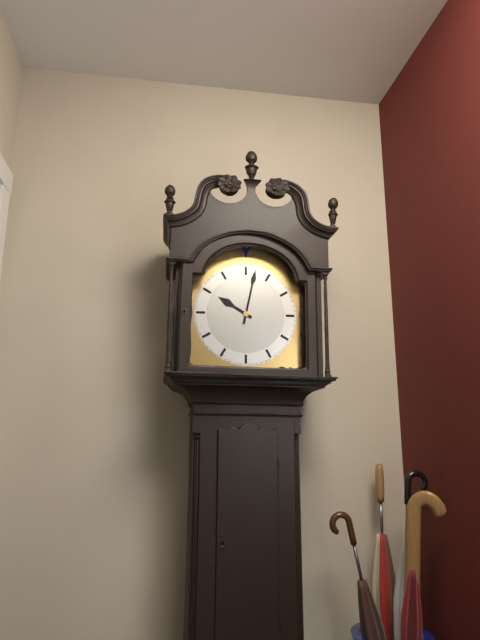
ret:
{"hour": 10, "minute": 2}
